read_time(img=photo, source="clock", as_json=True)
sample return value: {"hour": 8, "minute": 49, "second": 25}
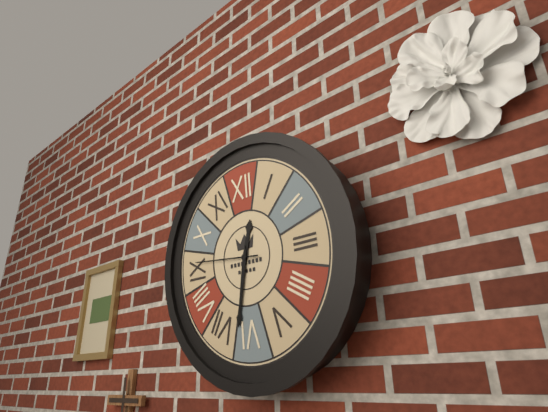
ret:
{"hour": 12, "minute": 32, "second": 46}
